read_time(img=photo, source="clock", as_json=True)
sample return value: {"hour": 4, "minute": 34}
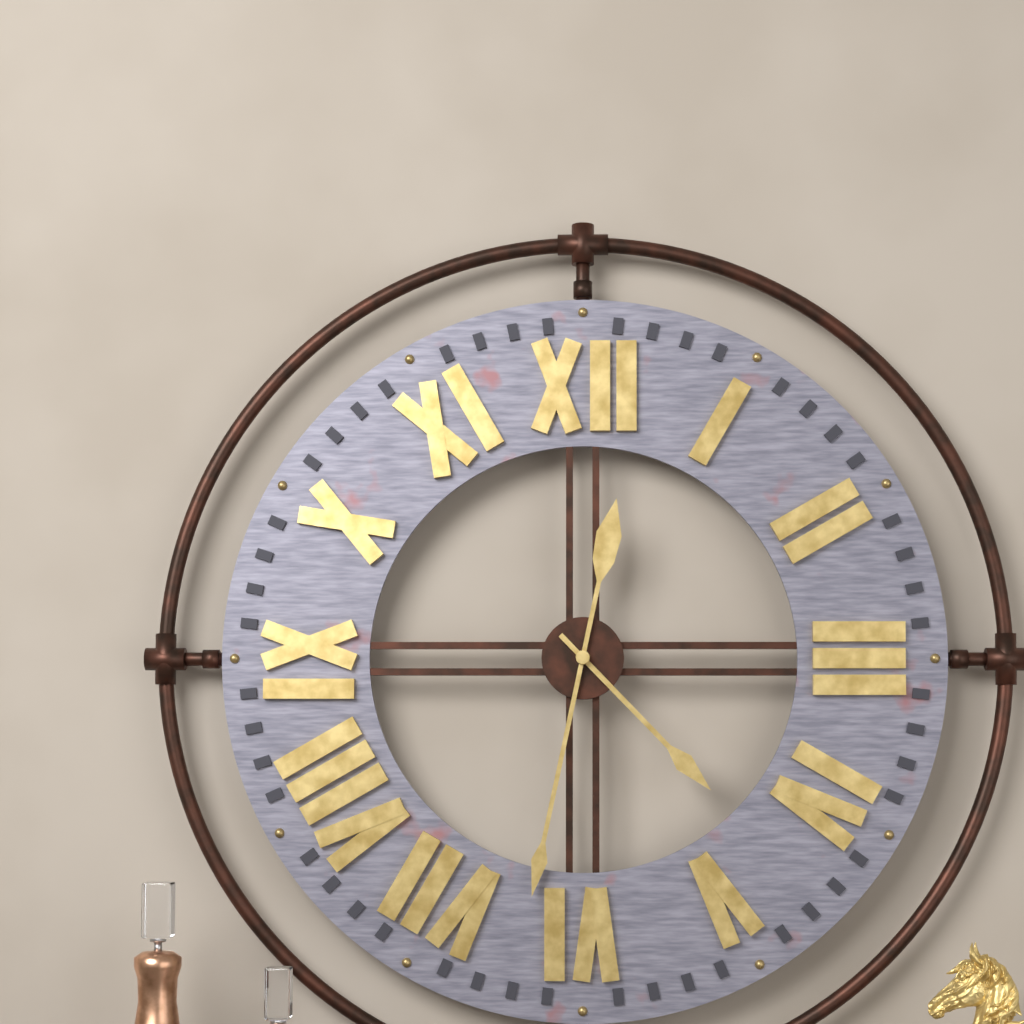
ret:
{"hour": 4, "minute": 32}
